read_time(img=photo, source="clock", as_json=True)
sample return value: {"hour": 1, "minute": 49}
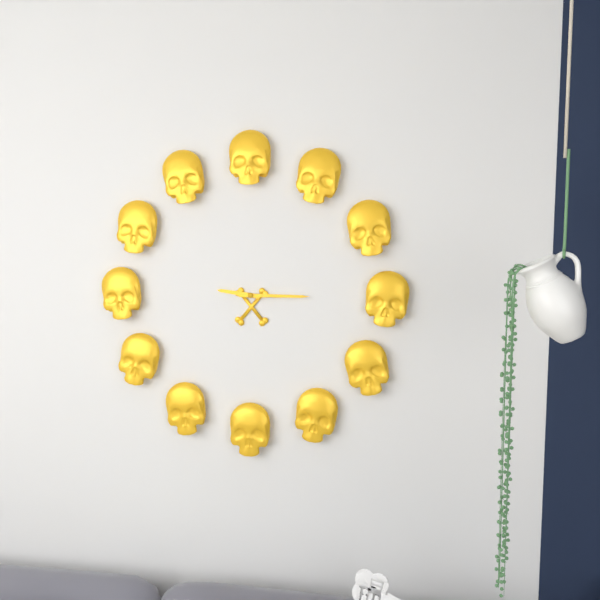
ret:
{"hour": 9, "minute": 15}
